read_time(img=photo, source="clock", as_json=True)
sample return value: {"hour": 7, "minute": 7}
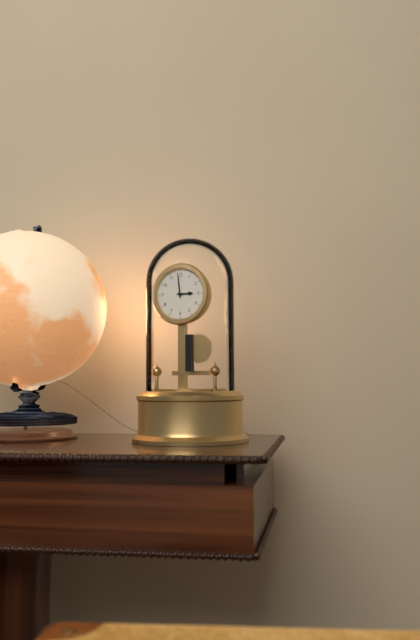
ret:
{"hour": 2, "minute": 59}
